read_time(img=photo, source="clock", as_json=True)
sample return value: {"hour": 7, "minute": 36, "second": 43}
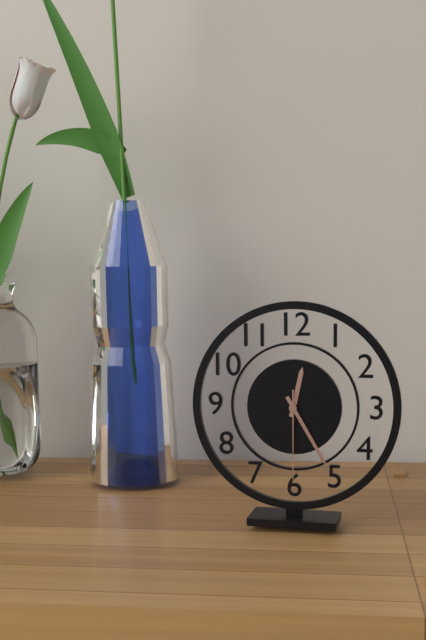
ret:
{"hour": 12, "minute": 25, "second": 30}
